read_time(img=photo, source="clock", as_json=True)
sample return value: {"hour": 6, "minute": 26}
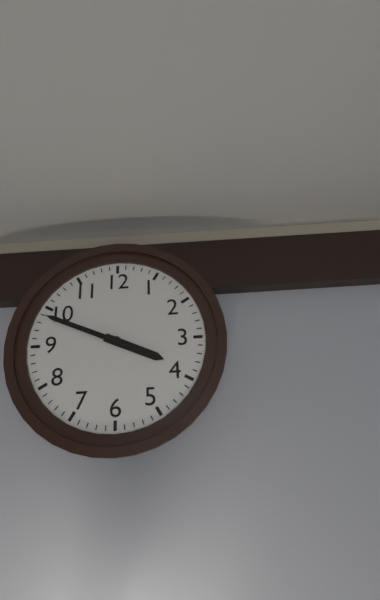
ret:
{"hour": 3, "minute": 49}
